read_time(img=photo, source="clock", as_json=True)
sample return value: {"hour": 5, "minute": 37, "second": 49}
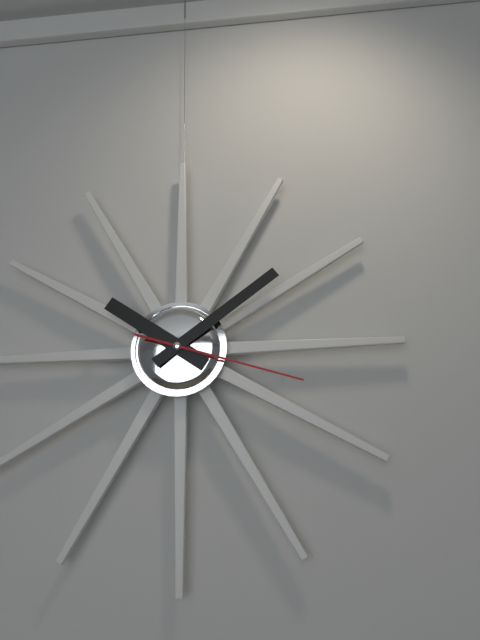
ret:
{"hour": 10, "minute": 9, "second": 18}
